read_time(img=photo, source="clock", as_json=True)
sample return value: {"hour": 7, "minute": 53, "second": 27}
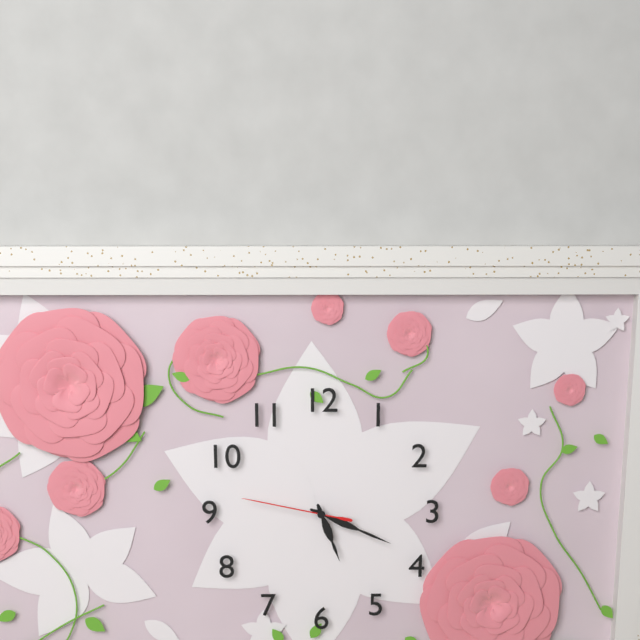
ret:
{"hour": 5, "minute": 19, "second": 47}
